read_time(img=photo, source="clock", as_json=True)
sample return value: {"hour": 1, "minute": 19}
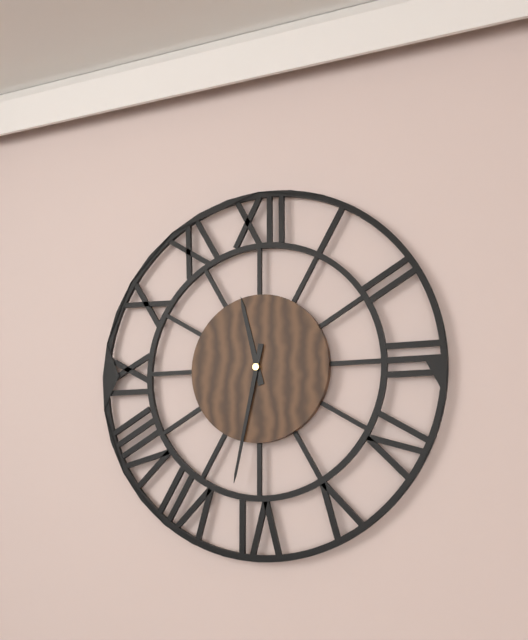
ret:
{"hour": 11, "minute": 32}
